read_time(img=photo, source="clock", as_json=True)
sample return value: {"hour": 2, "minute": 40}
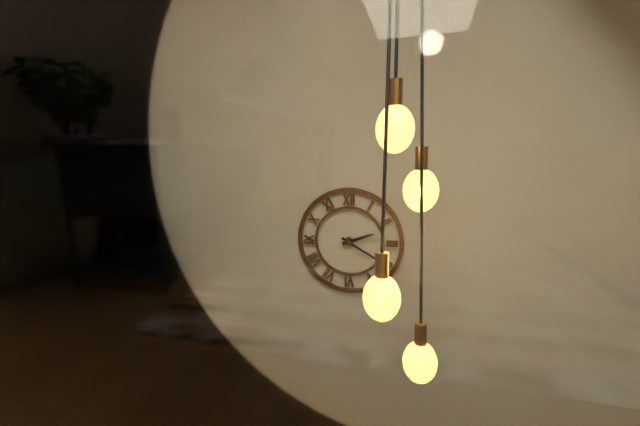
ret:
{"hour": 2, "minute": 20}
